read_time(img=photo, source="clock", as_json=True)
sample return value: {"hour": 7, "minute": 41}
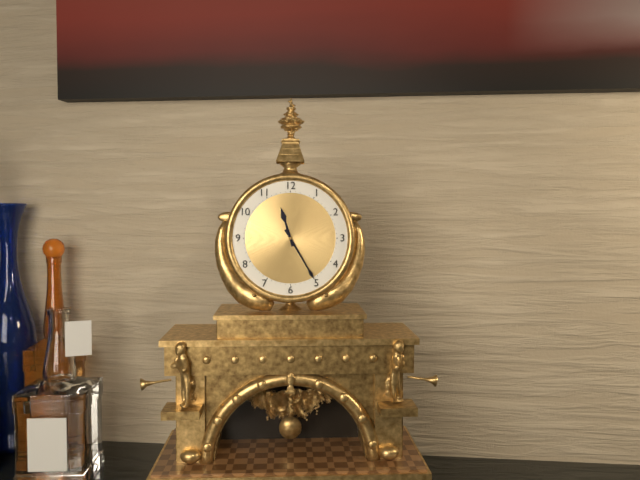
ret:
{"hour": 11, "minute": 25}
